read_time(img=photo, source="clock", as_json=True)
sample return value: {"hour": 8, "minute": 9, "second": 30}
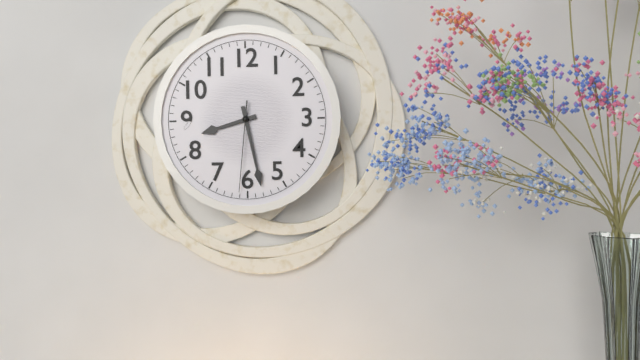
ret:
{"hour": 8, "minute": 28, "second": 31}
